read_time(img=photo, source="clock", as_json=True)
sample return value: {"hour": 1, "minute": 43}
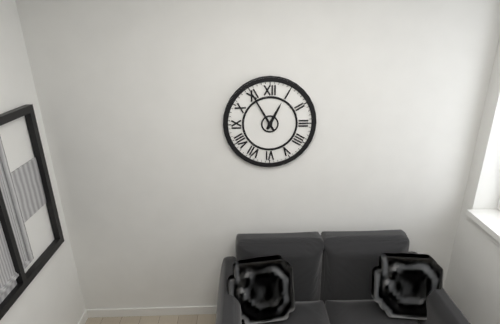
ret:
{"hour": 12, "minute": 55}
